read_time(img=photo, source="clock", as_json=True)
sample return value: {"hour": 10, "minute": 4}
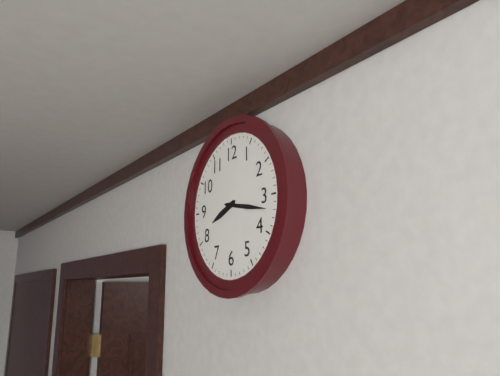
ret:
{"hour": 8, "minute": 17}
